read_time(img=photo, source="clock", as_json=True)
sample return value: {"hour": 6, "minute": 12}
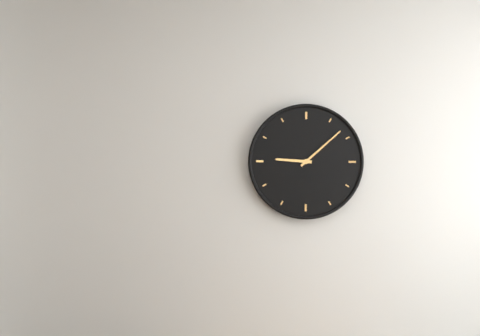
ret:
{"hour": 9, "minute": 8}
